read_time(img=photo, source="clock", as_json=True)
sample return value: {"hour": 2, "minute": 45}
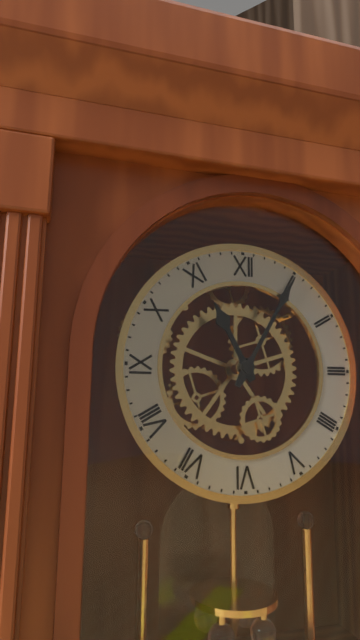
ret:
{"hour": 11, "minute": 5}
